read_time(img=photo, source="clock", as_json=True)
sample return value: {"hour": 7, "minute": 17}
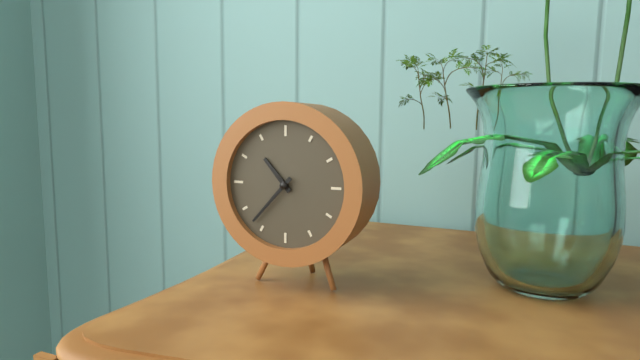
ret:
{"hour": 10, "minute": 37}
